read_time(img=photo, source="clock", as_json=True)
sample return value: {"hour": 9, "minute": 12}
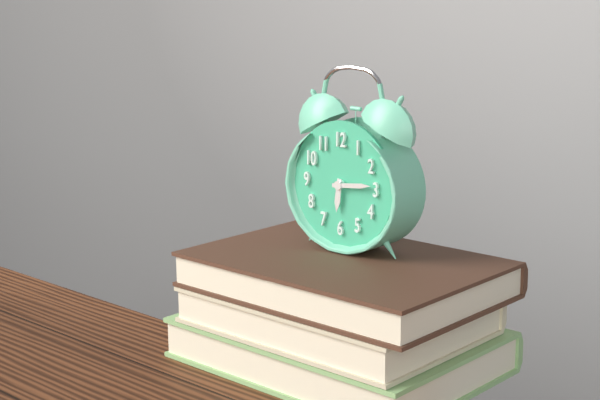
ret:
{"hour": 6, "minute": 14}
